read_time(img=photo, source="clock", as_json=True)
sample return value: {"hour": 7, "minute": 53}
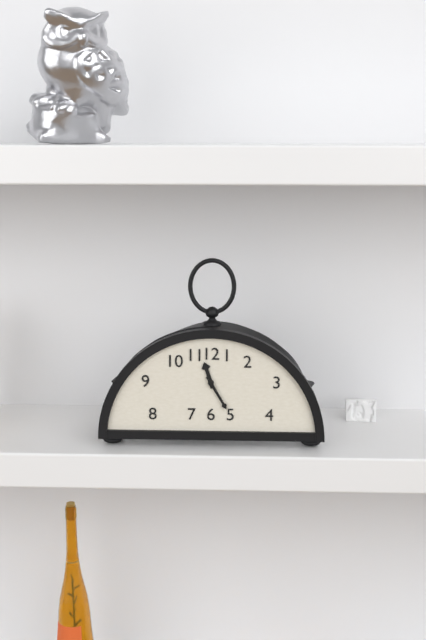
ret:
{"hour": 11, "minute": 25}
